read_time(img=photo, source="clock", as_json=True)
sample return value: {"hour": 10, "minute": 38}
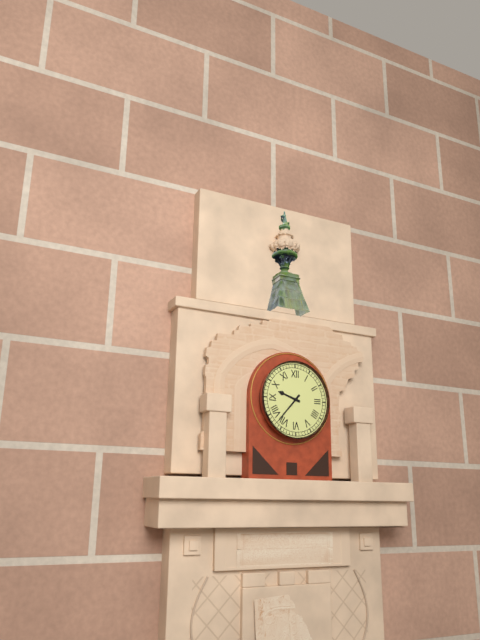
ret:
{"hour": 9, "minute": 37}
